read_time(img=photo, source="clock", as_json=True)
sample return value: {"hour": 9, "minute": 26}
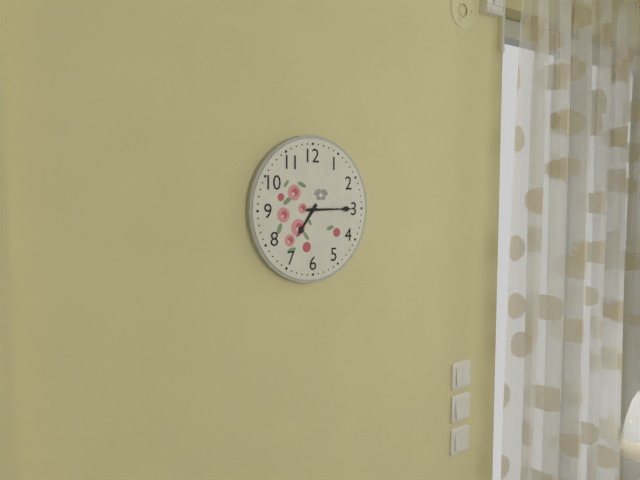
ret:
{"hour": 7, "minute": 15}
